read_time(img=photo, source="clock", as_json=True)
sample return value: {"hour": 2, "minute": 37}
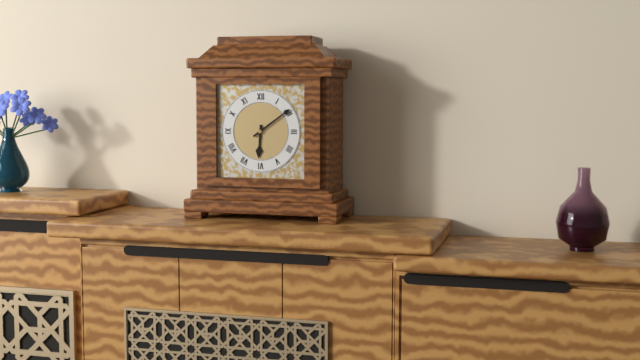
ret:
{"hour": 6, "minute": 9}
